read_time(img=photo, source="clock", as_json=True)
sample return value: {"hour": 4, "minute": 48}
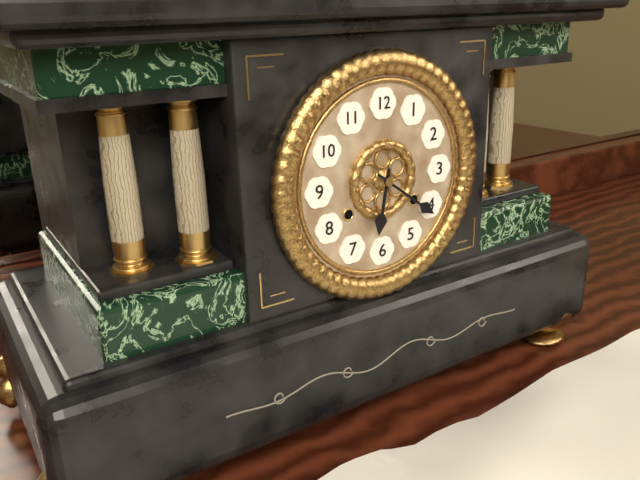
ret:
{"hour": 6, "minute": 21}
